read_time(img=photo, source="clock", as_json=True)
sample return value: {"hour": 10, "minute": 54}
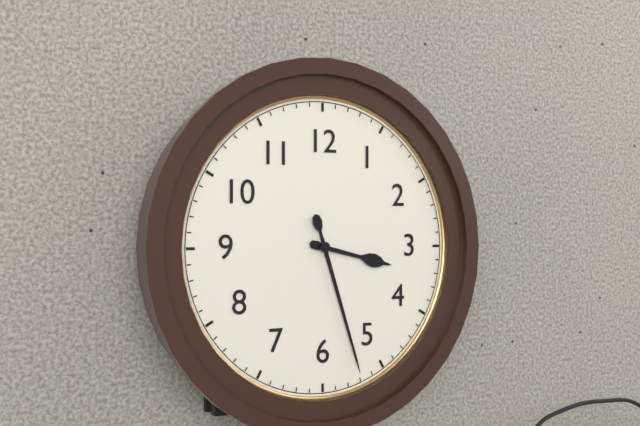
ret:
{"hour": 3, "minute": 27}
